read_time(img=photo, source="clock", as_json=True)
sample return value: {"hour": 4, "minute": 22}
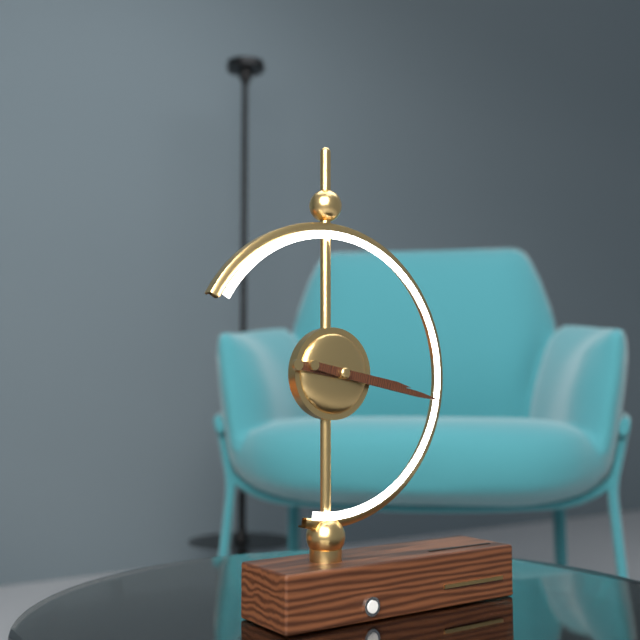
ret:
{"hour": 3, "minute": 17}
